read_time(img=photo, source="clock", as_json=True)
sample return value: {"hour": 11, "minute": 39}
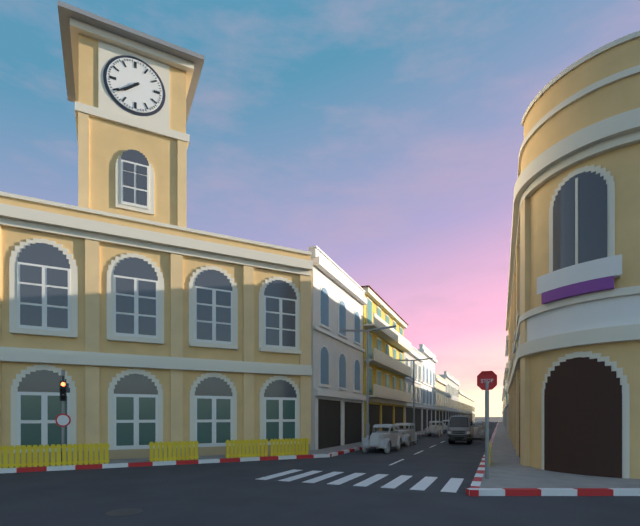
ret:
{"hour": 7, "minute": 39}
